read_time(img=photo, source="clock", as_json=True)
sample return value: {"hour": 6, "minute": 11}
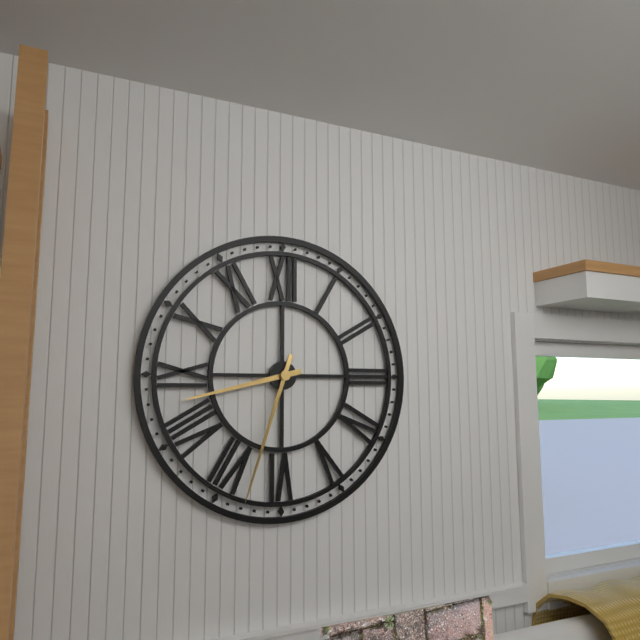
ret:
{"hour": 8, "minute": 33}
